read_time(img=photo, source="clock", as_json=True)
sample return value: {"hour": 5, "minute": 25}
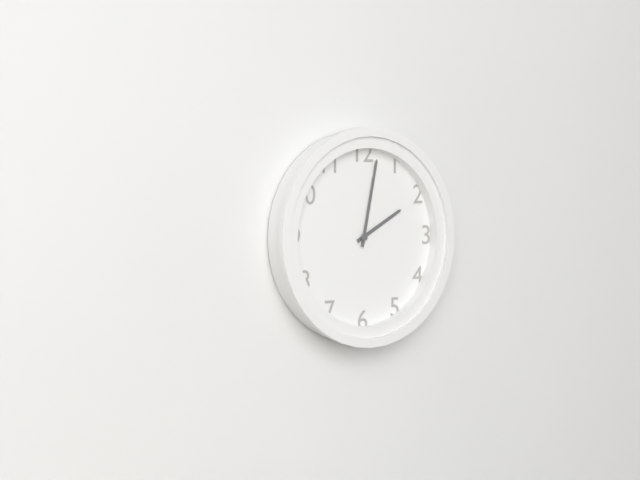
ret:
{"hour": 2, "minute": 2}
